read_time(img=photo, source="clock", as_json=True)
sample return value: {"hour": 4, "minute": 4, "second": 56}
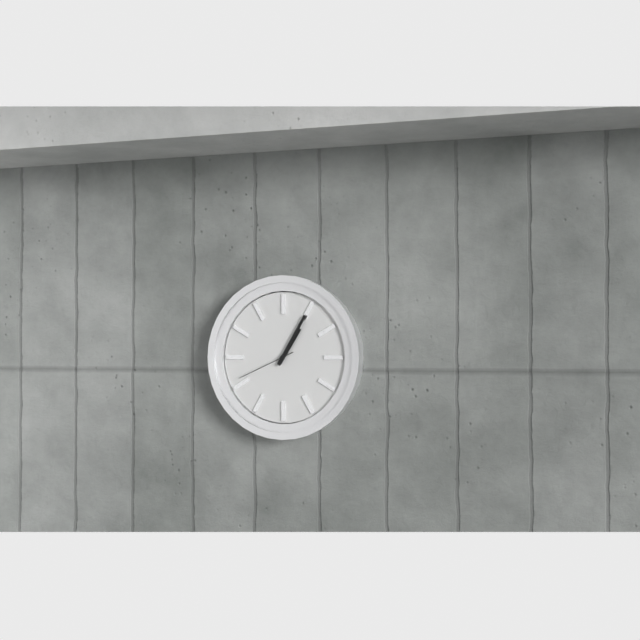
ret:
{"hour": 1, "minute": 5, "second": 41}
